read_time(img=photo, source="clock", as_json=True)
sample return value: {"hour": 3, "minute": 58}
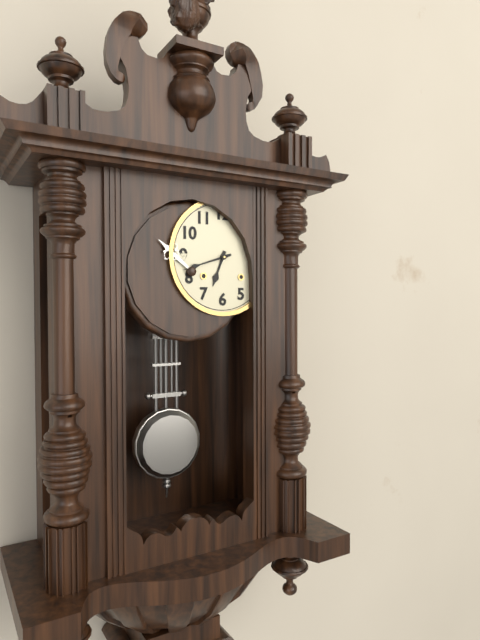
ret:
{"hour": 6, "minute": 42}
